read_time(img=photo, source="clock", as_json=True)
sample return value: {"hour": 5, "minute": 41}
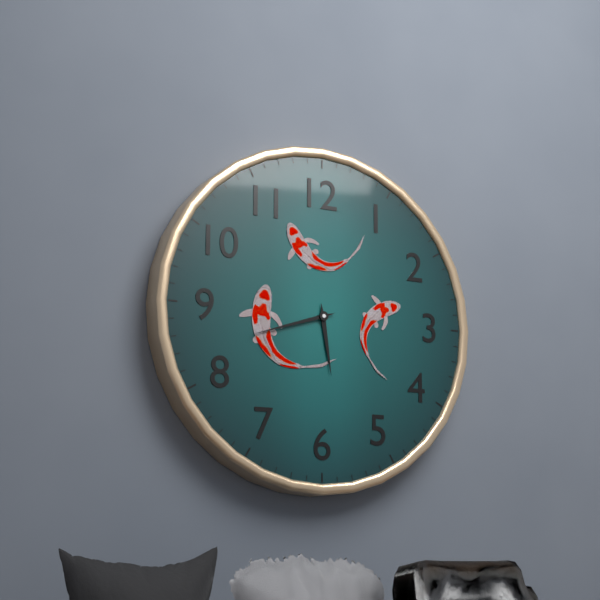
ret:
{"hour": 5, "minute": 42}
